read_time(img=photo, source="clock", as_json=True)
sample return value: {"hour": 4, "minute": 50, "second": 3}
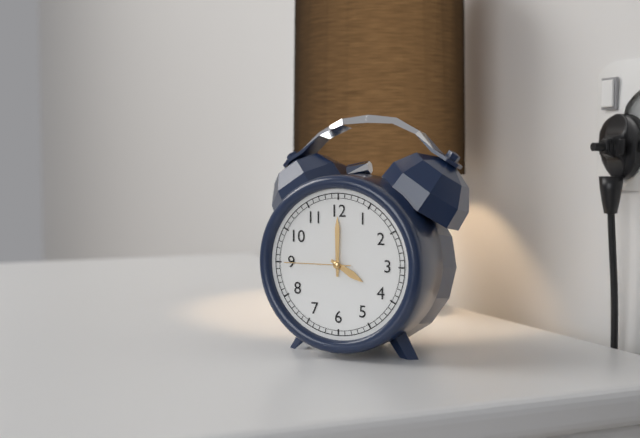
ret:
{"hour": 4, "minute": 0, "second": 45}
